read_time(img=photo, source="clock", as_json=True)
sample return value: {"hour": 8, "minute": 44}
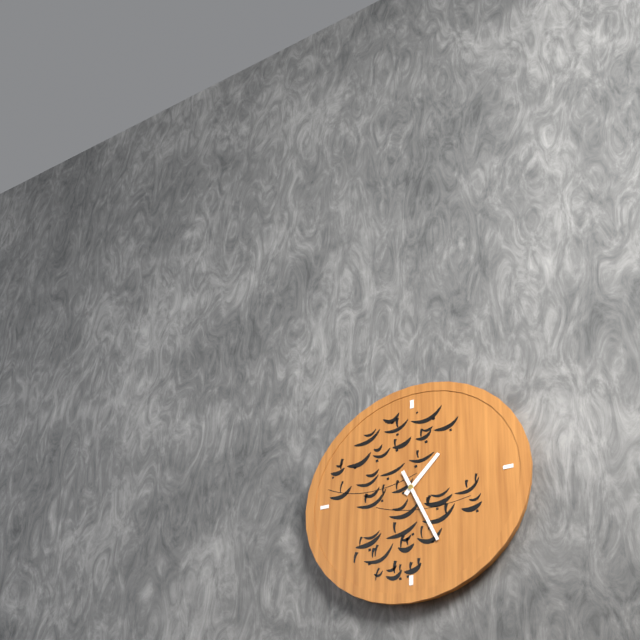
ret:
{"hour": 1, "minute": 26}
